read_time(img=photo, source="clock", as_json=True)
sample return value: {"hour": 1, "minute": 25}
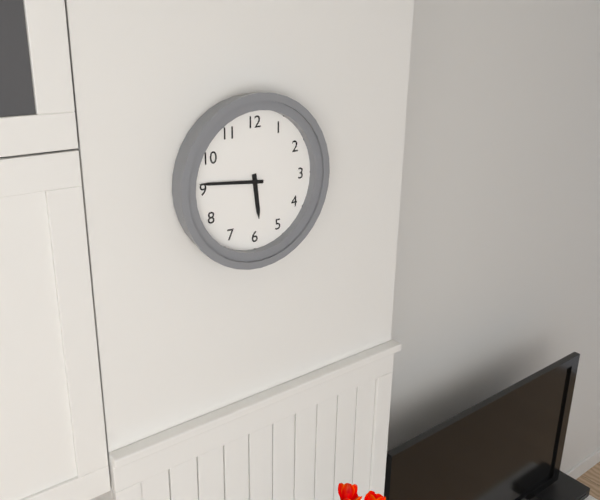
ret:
{"hour": 5, "minute": 46}
